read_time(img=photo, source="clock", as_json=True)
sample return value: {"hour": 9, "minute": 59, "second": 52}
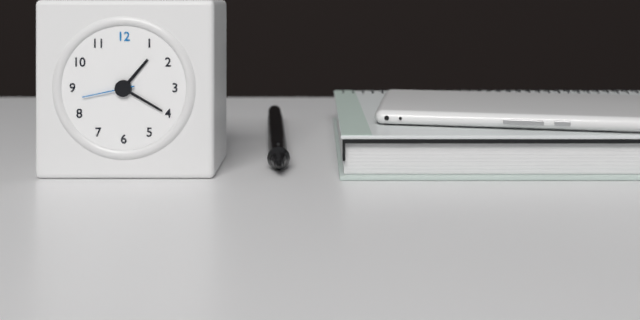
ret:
{"hour": 1, "minute": 20, "second": 43}
